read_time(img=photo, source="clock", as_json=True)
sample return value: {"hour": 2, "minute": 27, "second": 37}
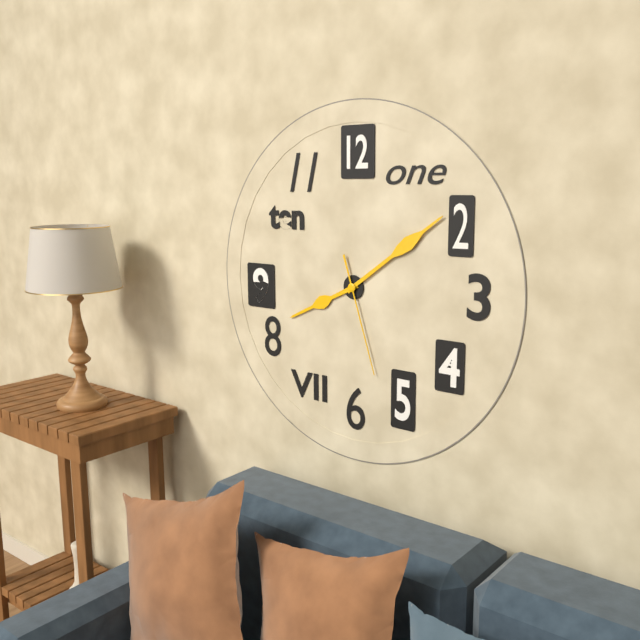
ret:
{"hour": 8, "minute": 9, "second": 27}
